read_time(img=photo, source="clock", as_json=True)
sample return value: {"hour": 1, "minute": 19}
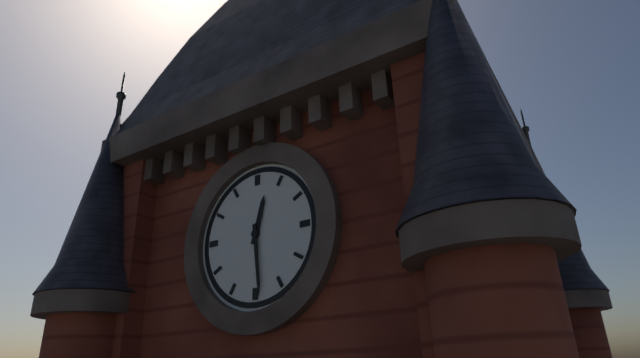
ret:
{"hour": 12, "minute": 29}
